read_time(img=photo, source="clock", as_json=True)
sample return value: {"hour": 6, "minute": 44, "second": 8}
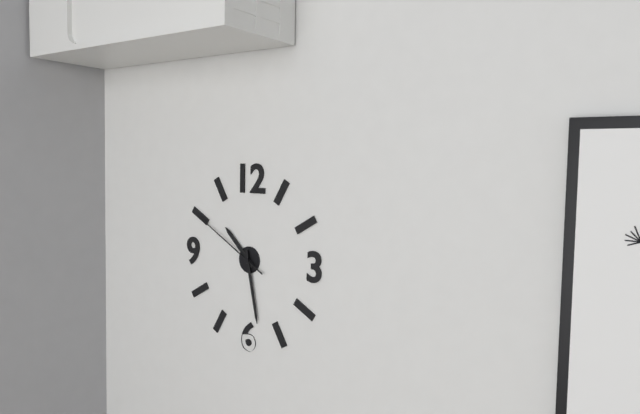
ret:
{"hour": 10, "minute": 28, "second": 50}
